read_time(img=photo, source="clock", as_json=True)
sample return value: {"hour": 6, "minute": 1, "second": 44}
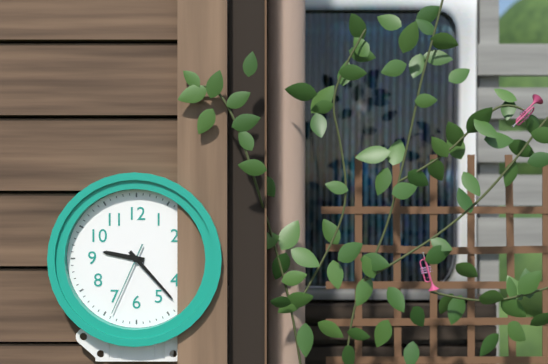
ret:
{"hour": 9, "minute": 23, "second": 34}
